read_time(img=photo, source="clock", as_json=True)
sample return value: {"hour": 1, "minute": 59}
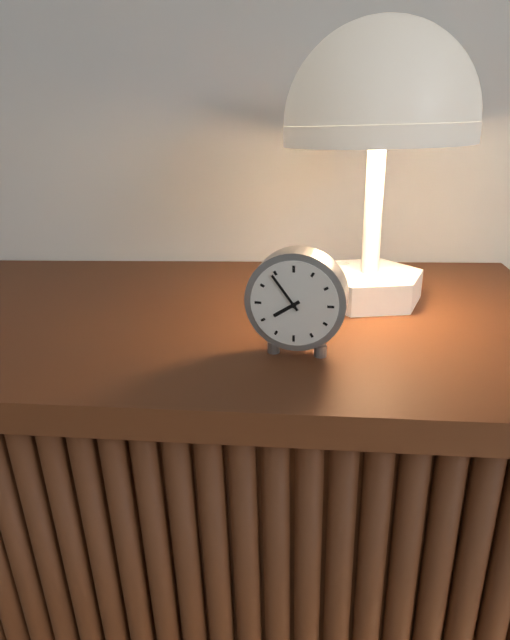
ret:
{"hour": 7, "minute": 54}
